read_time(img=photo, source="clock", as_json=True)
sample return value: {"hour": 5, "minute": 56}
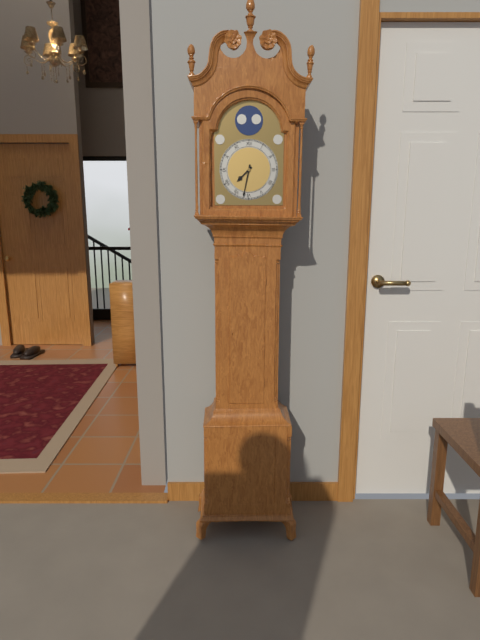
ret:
{"hour": 7, "minute": 32}
